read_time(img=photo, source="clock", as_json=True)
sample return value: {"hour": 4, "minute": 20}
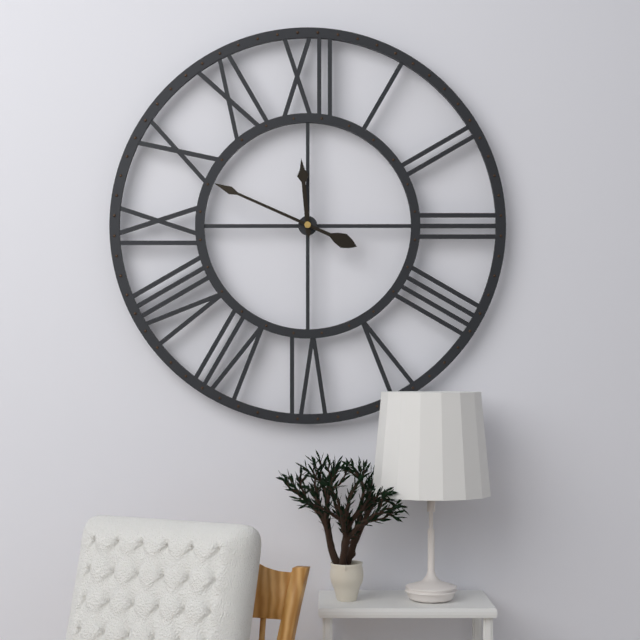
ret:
{"hour": 11, "minute": 49}
